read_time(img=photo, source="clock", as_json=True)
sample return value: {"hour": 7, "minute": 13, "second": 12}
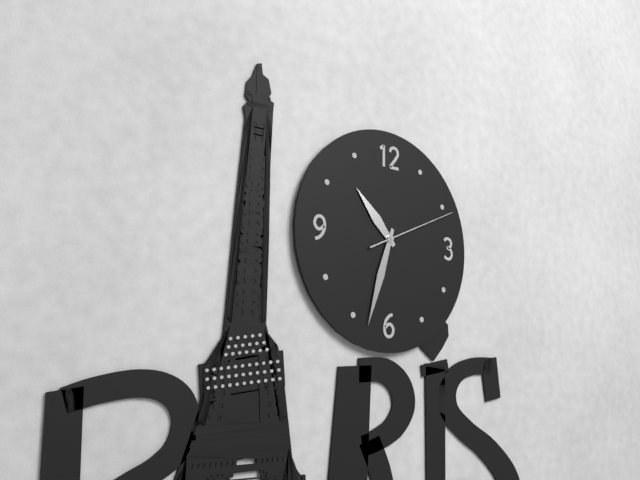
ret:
{"hour": 10, "minute": 33, "second": 11}
